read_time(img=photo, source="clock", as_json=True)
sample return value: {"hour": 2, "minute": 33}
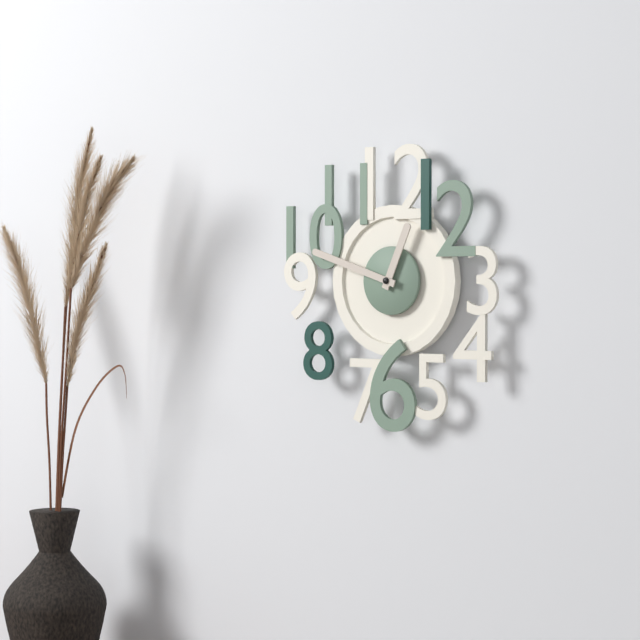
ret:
{"hour": 12, "minute": 48}
